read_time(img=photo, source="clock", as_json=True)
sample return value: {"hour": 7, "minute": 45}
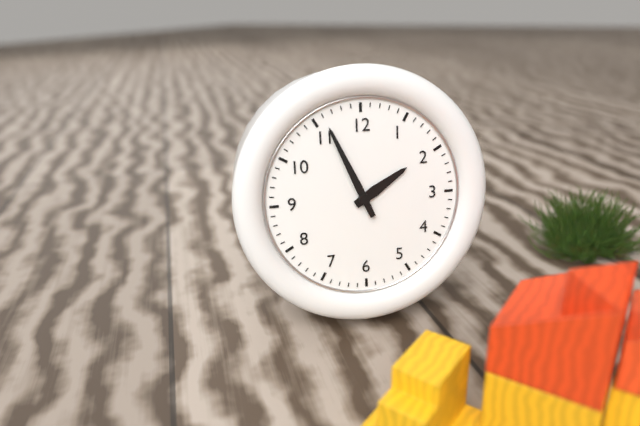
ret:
{"hour": 1, "minute": 56}
